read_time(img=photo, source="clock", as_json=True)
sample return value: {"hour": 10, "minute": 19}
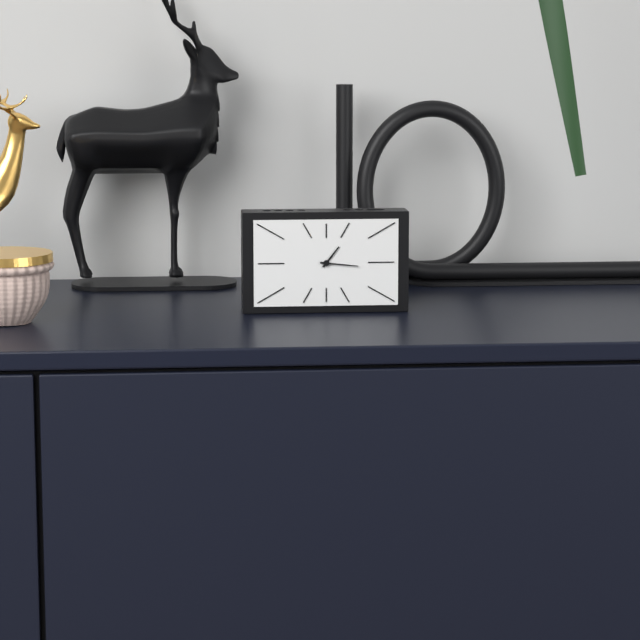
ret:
{"hour": 1, "minute": 16}
